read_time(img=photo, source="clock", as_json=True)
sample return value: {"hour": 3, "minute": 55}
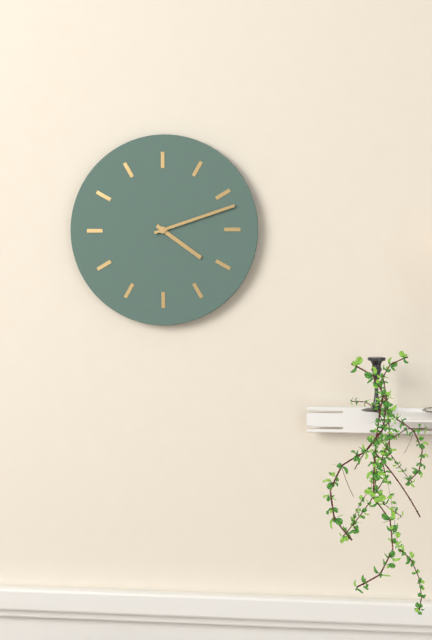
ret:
{"hour": 4, "minute": 12}
